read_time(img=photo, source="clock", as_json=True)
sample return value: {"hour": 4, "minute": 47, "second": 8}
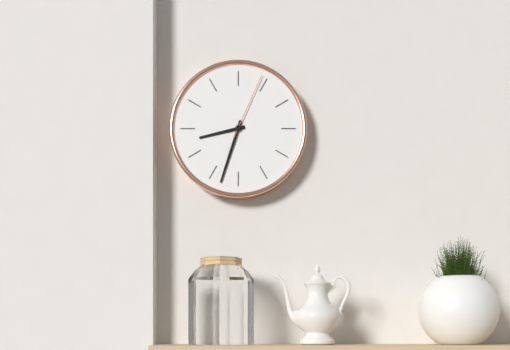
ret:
{"hour": 8, "minute": 33, "second": 4}
